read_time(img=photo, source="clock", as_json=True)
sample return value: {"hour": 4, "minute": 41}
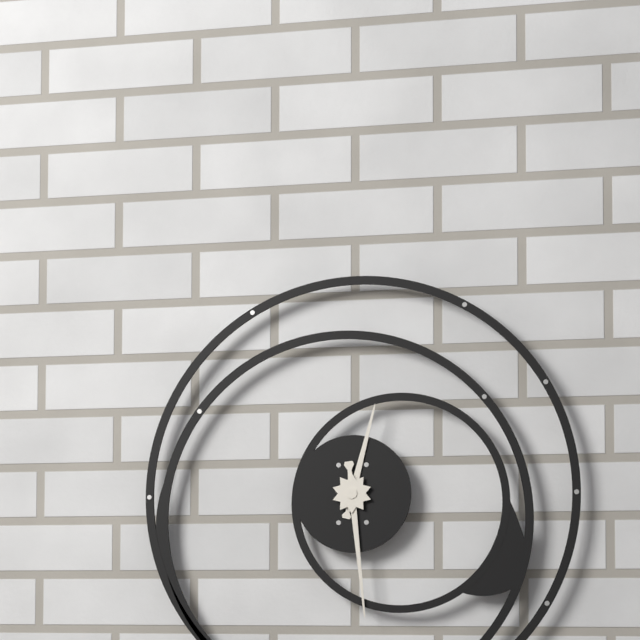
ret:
{"hour": 12, "minute": 29}
